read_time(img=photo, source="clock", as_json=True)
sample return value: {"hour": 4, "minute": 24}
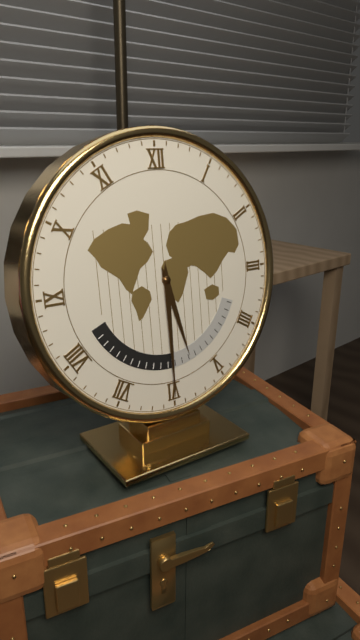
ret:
{"hour": 5, "minute": 30}
